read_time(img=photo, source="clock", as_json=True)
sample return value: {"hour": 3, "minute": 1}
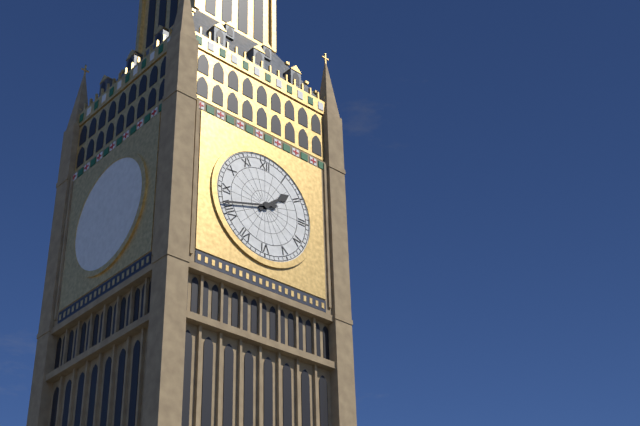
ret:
{"hour": 1, "minute": 42}
